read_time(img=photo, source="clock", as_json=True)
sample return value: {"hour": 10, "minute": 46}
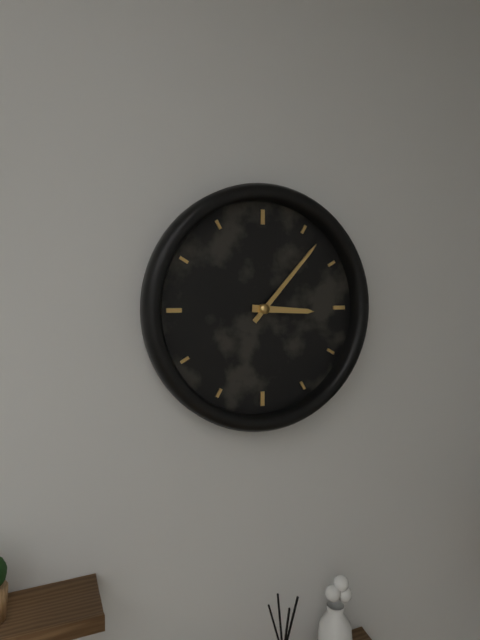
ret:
{"hour": 3, "minute": 7}
